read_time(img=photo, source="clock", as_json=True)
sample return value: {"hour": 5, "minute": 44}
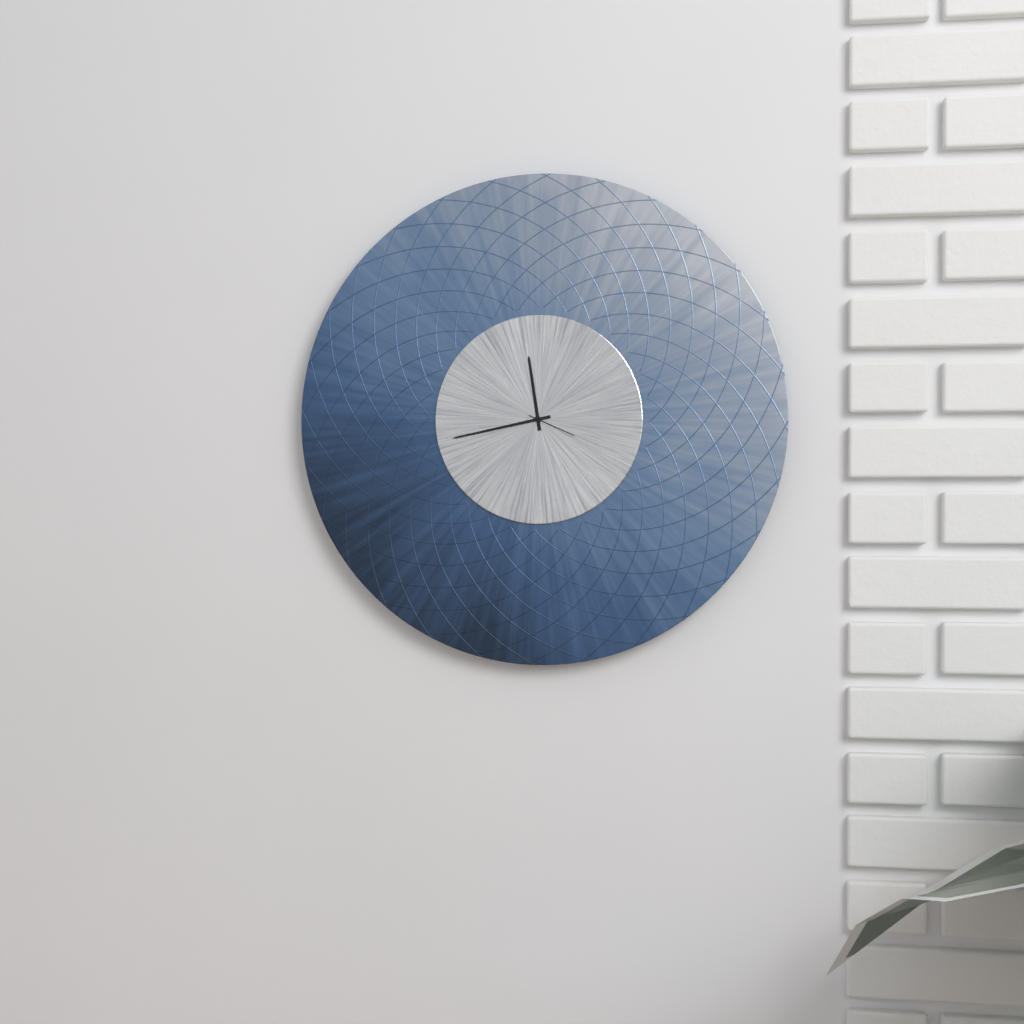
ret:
{"hour": 11, "minute": 43}
